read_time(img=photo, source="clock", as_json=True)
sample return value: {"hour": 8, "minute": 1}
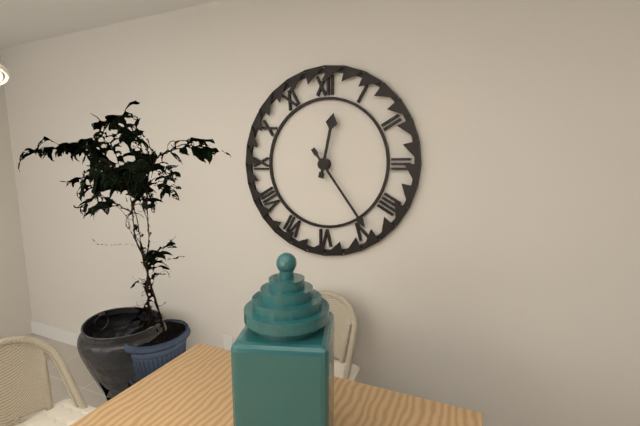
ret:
{"hour": 12, "minute": 24}
